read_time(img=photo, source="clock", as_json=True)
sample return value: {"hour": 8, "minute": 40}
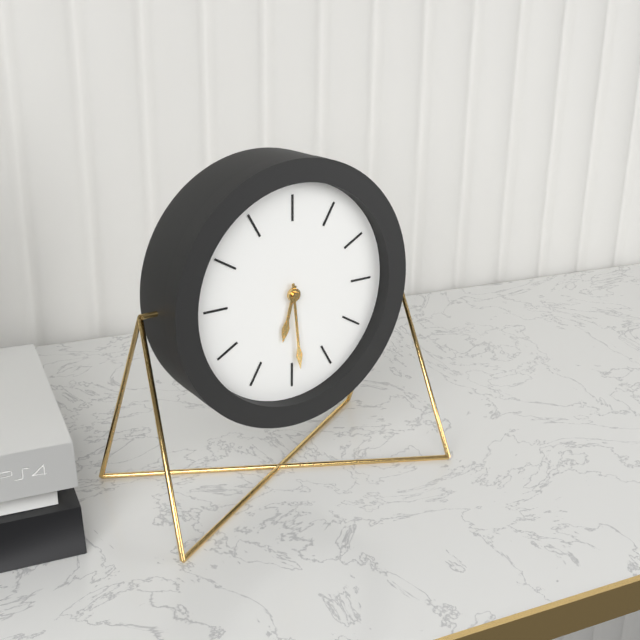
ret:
{"hour": 6, "minute": 29}
